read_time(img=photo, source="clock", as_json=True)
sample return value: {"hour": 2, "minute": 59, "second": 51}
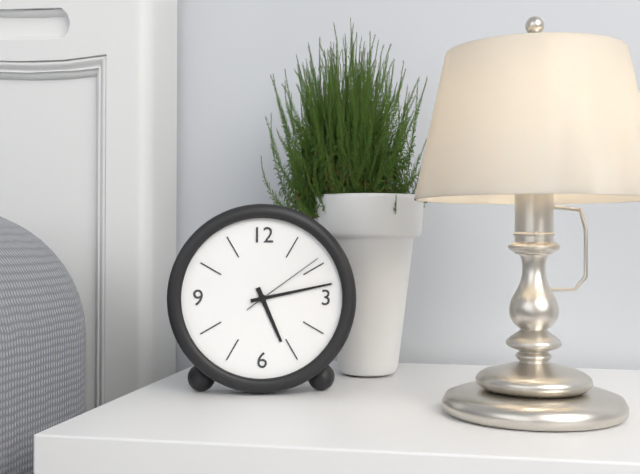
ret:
{"hour": 5, "minute": 13, "second": 9}
